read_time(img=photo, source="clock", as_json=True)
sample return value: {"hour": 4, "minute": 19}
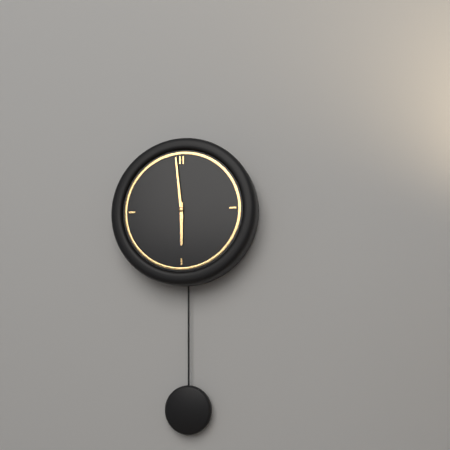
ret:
{"hour": 5, "minute": 59}
